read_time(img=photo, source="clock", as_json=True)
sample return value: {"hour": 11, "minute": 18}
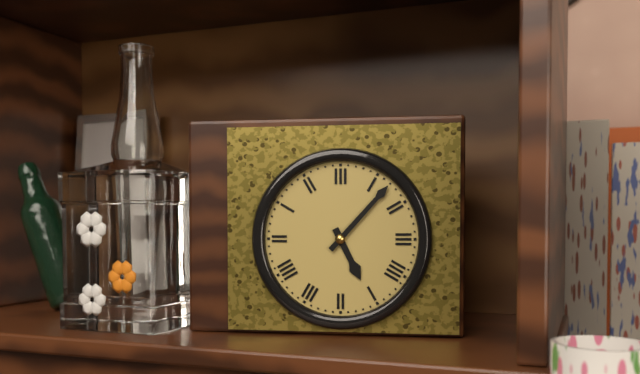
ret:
{"hour": 5, "minute": 7}
